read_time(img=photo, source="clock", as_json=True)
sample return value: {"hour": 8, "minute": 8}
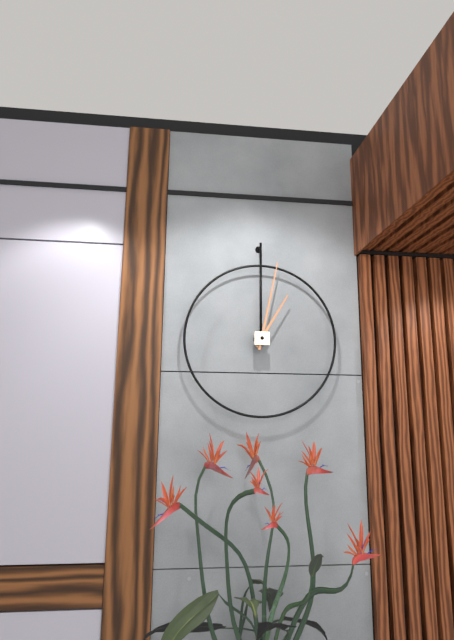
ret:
{"hour": 1, "minute": 2}
